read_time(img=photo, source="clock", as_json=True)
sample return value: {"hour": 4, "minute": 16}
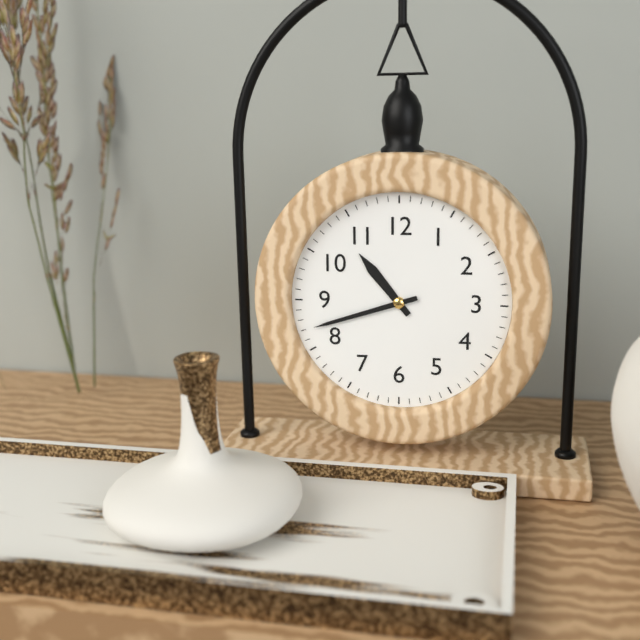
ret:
{"hour": 10, "minute": 42}
